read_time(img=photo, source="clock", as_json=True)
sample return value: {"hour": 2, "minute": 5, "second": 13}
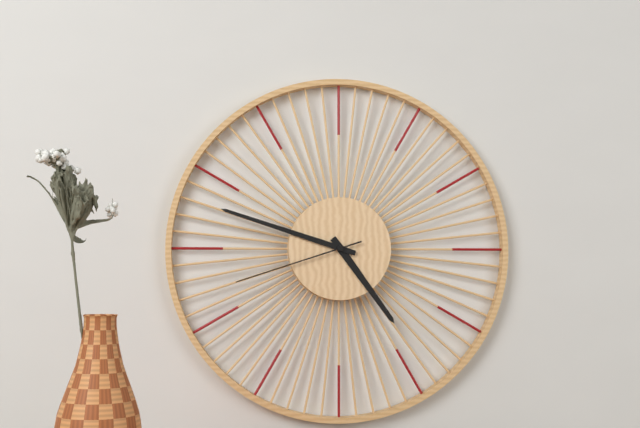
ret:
{"hour": 4, "minute": 48, "second": 42}
